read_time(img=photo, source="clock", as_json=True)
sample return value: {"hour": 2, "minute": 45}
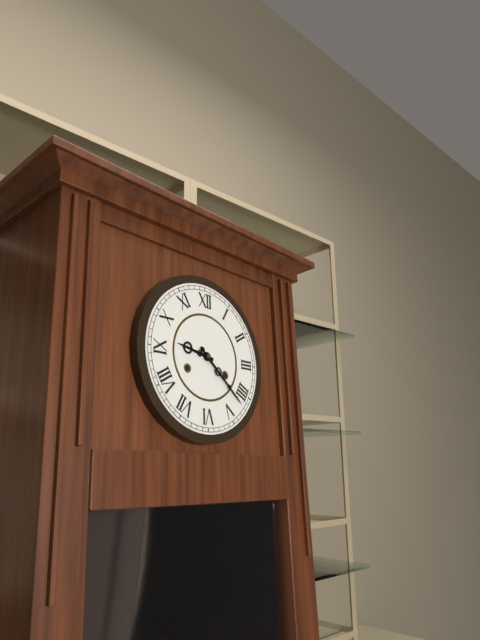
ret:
{"hour": 9, "minute": 22}
